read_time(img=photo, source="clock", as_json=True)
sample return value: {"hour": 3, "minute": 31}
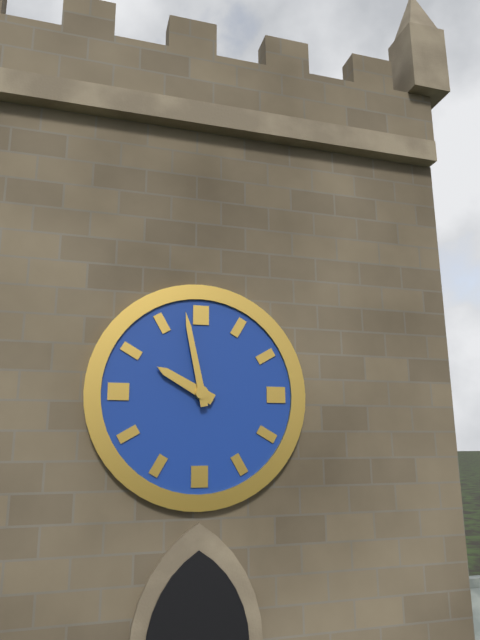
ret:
{"hour": 9, "minute": 58}
